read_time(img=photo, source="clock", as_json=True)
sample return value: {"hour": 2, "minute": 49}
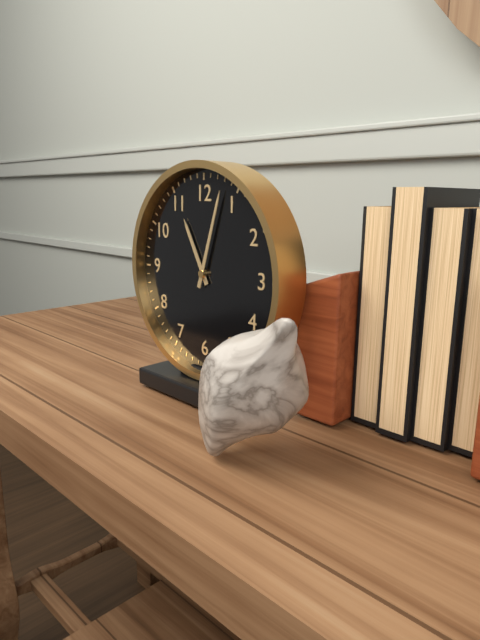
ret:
{"hour": 11, "minute": 3}
